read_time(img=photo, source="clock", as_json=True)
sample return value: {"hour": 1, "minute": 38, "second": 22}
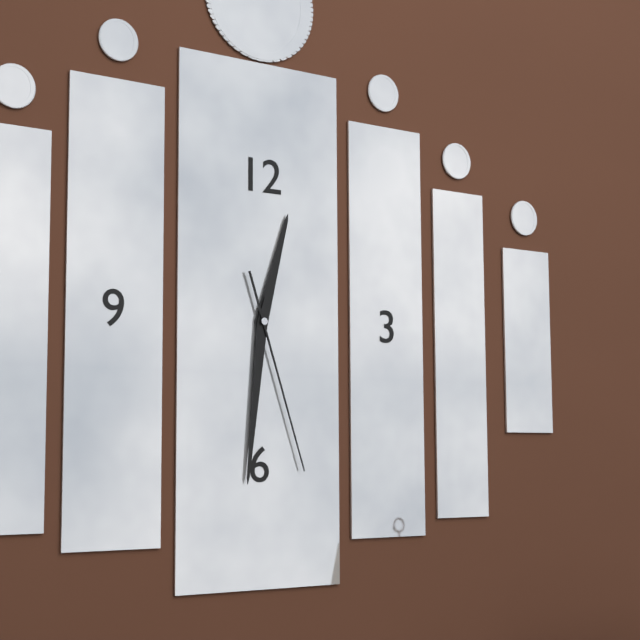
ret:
{"hour": 12, "minute": 31, "second": 27}
